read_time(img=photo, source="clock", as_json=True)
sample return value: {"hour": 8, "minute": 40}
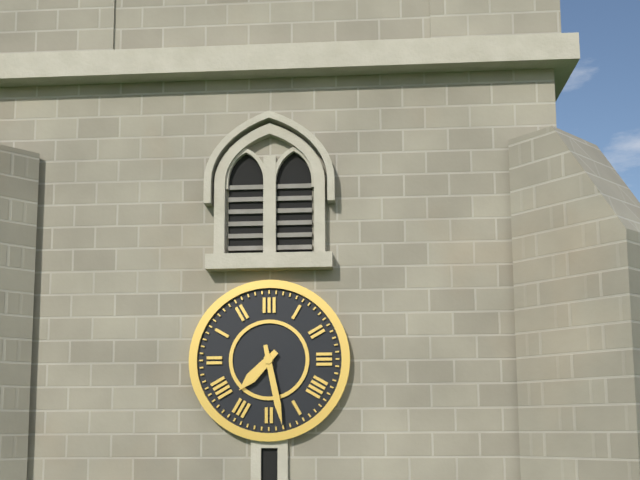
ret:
{"hour": 7, "minute": 28}
